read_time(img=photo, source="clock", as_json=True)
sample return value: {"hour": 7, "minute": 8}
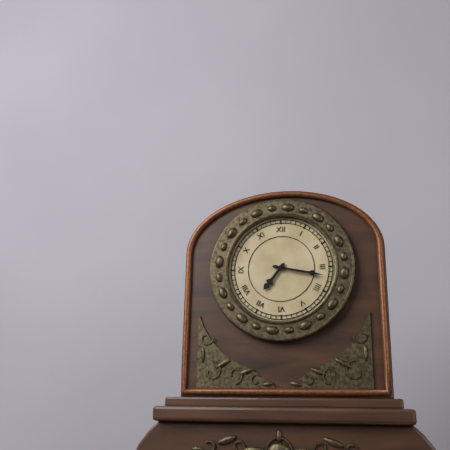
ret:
{"hour": 7, "minute": 17}
